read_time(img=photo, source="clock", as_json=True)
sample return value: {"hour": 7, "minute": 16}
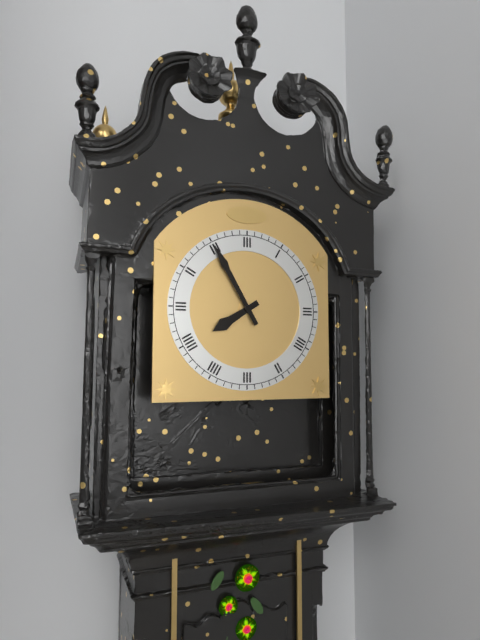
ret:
{"hour": 7, "minute": 55}
